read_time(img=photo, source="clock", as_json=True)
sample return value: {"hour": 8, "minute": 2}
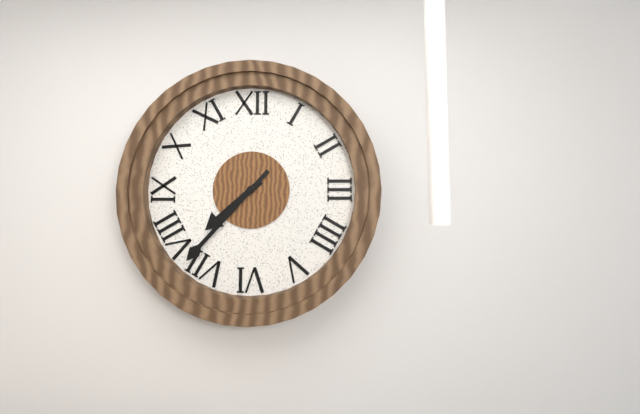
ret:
{"hour": 7, "minute": 37}
